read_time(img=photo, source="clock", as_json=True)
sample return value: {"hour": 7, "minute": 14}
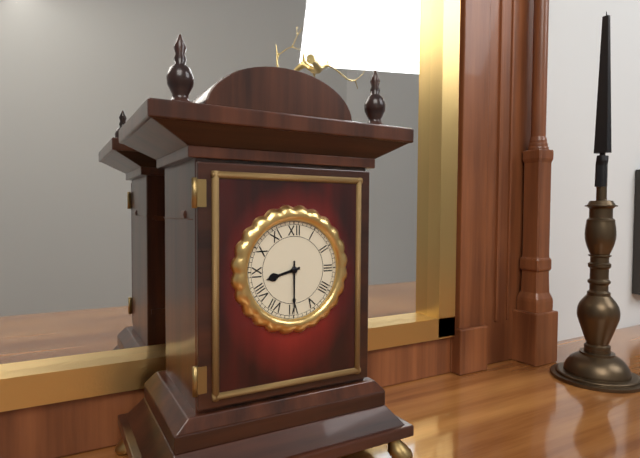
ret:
{"hour": 8, "minute": 30}
